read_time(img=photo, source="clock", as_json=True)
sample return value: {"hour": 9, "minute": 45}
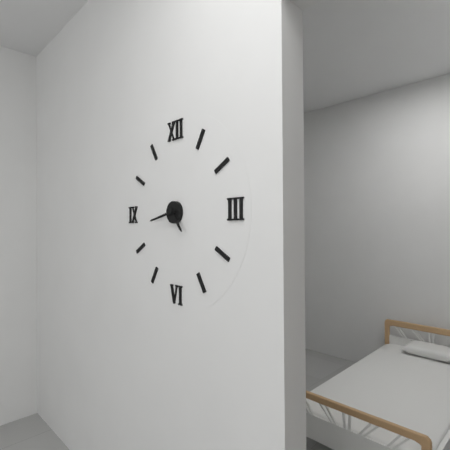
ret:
{"hour": 4, "minute": 43}
